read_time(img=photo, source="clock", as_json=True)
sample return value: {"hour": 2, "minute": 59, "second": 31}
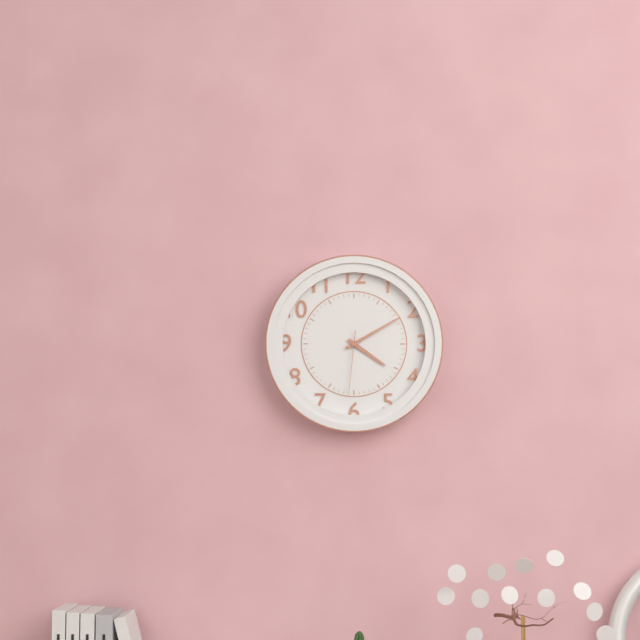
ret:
{"hour": 4, "minute": 10, "second": 31}
